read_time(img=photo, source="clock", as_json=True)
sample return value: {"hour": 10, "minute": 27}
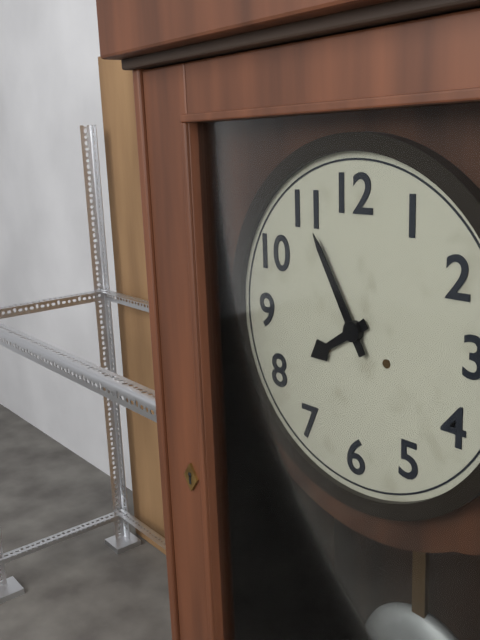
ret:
{"hour": 7, "minute": 55}
